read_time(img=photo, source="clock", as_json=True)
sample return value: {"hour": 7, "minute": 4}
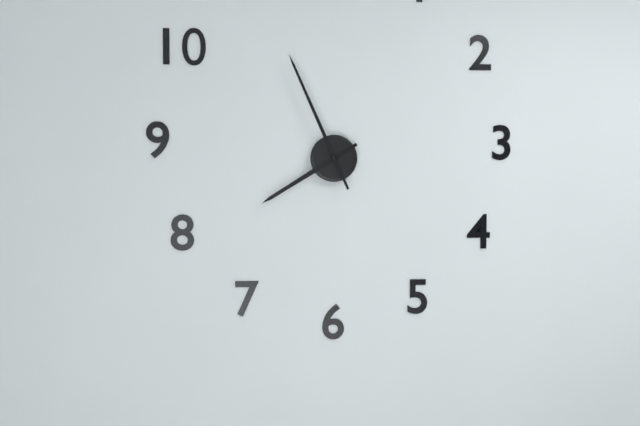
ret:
{"hour": 7, "minute": 56}
